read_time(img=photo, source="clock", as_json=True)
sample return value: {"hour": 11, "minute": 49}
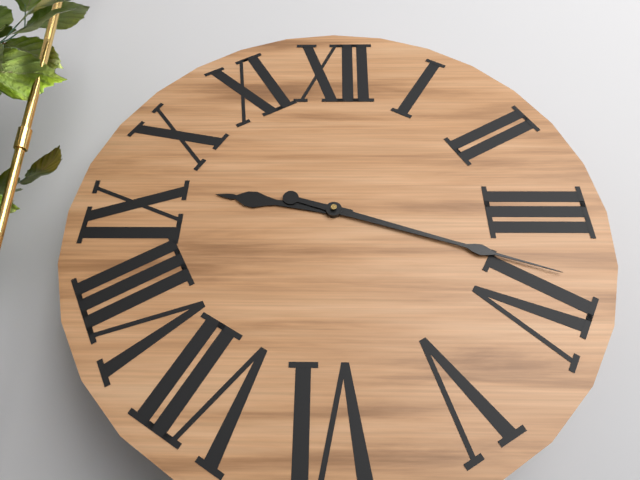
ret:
{"hour": 9, "minute": 18}
